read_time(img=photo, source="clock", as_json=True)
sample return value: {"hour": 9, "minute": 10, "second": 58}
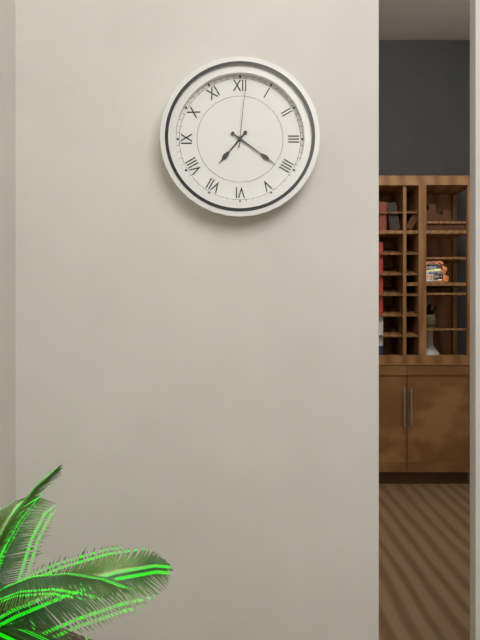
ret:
{"hour": 7, "minute": 21, "second": 1}
